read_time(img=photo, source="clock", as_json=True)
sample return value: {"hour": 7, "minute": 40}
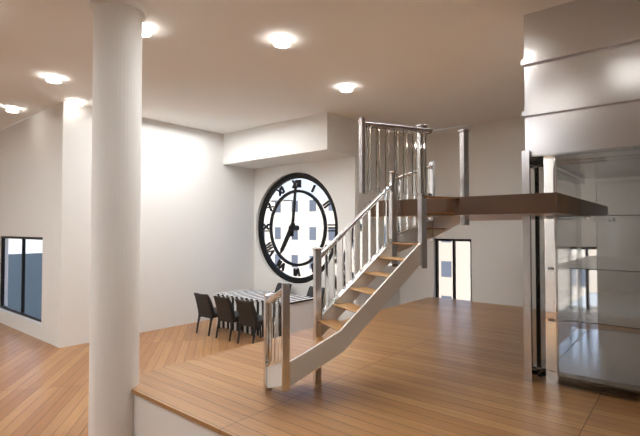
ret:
{"hour": 7, "minute": 1}
